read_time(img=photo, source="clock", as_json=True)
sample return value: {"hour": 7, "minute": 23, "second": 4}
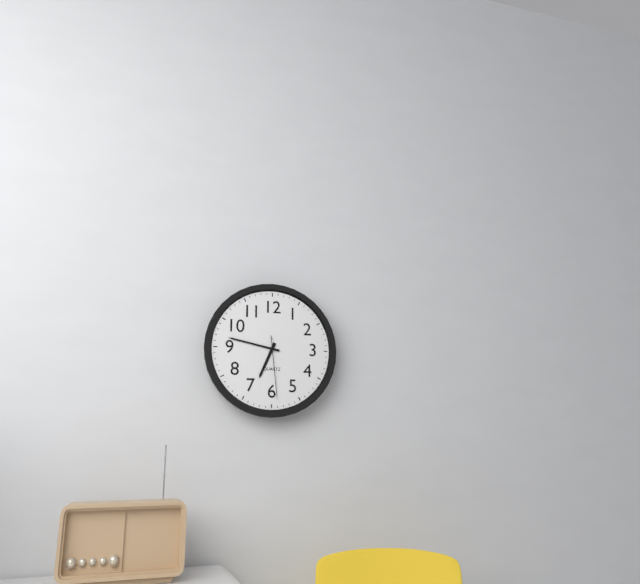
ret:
{"hour": 6, "minute": 47, "second": 29}
